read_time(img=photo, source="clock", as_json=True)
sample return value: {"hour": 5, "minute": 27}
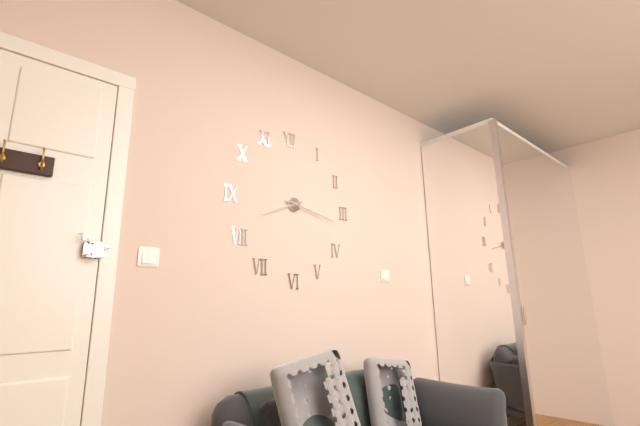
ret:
{"hour": 8, "minute": 17}
